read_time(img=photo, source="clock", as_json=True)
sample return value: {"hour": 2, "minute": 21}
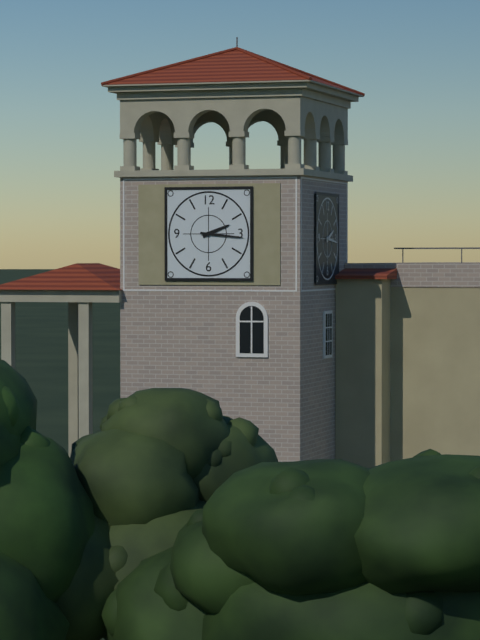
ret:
{"hour": 2, "minute": 16}
